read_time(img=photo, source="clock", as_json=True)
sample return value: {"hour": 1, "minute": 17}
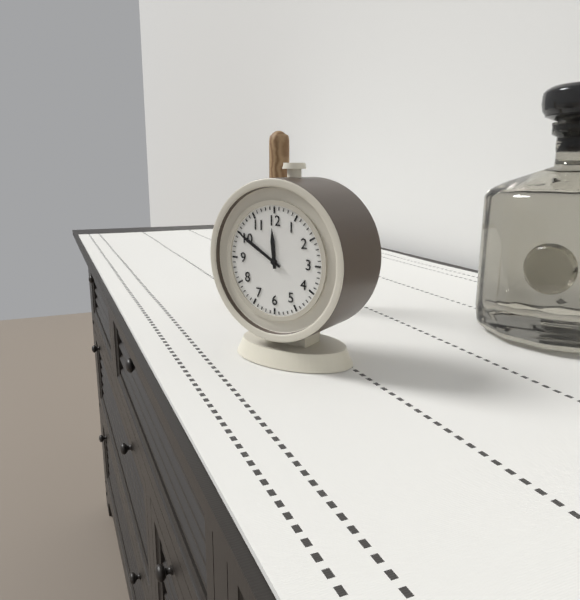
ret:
{"hour": 11, "minute": 50}
